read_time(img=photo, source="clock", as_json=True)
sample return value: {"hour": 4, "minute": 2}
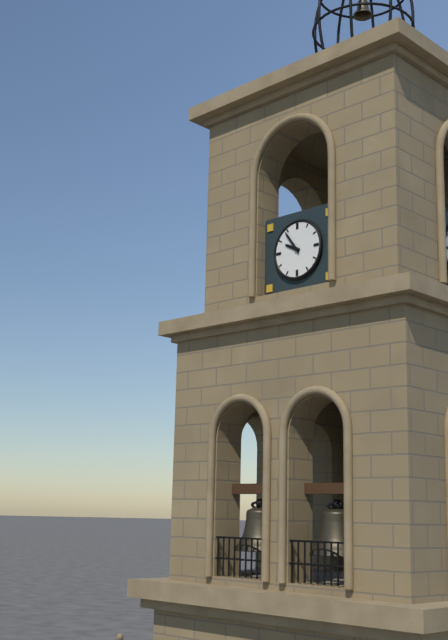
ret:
{"hour": 9, "minute": 54}
